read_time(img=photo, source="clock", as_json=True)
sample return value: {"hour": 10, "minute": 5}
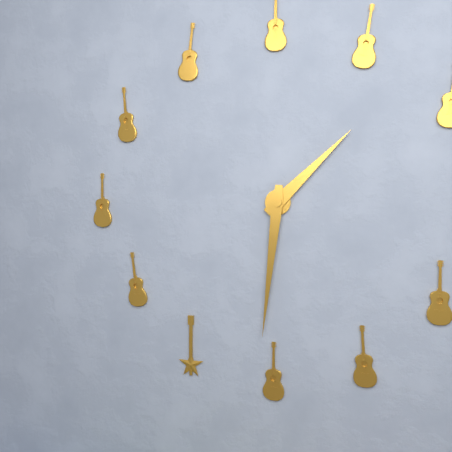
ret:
{"hour": 1, "minute": 31}
